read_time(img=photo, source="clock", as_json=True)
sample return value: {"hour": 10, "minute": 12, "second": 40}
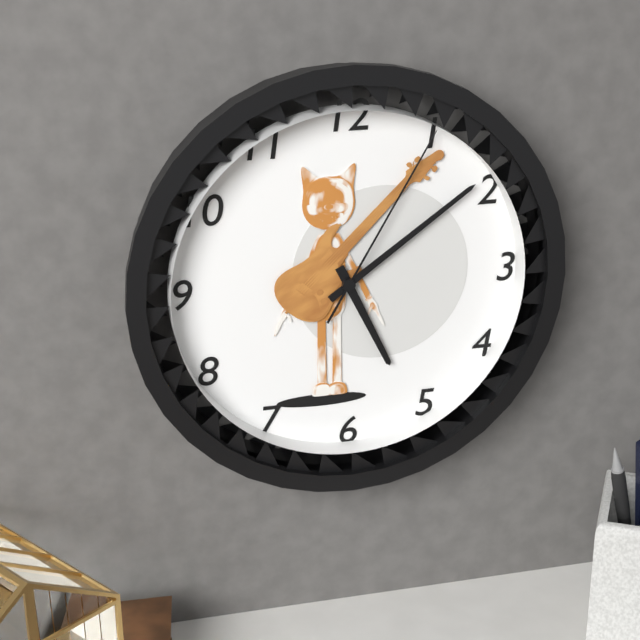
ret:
{"hour": 5, "minute": 9, "second": 5}
